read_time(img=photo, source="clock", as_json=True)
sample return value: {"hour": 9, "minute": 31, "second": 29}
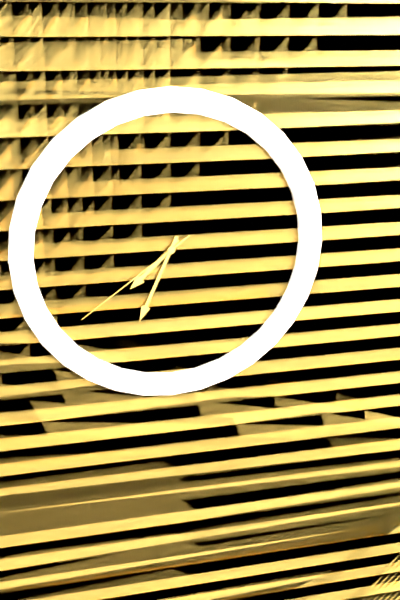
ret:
{"hour": 7, "minute": 34, "second": 39}
